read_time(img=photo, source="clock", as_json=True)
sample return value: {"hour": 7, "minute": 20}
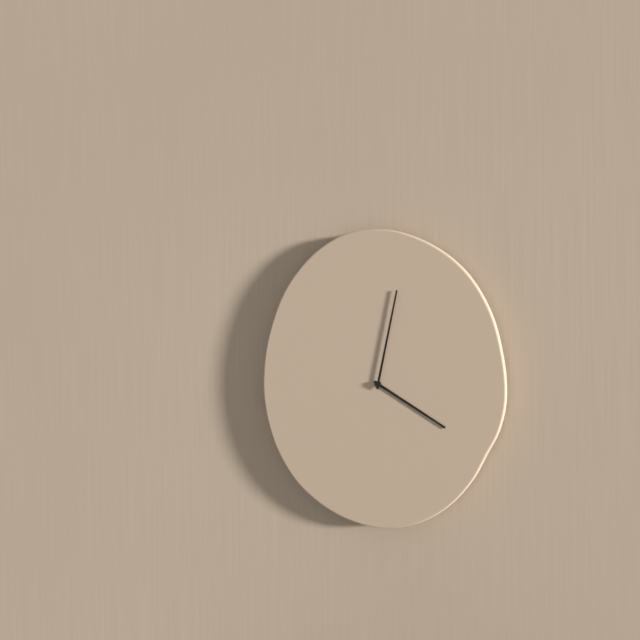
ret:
{"hour": 4, "minute": 2}
